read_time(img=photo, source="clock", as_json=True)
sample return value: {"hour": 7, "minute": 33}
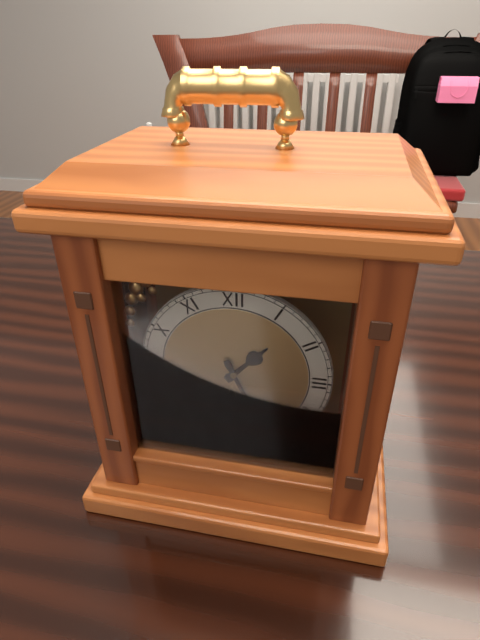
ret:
{"hour": 1, "minute": 26}
